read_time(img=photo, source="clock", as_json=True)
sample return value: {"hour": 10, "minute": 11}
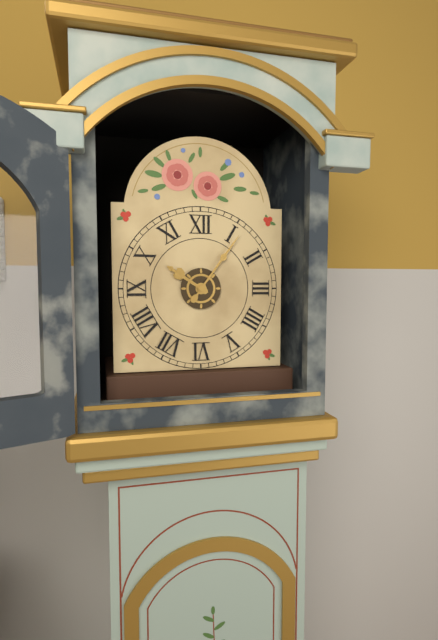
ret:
{"hour": 10, "minute": 6}
